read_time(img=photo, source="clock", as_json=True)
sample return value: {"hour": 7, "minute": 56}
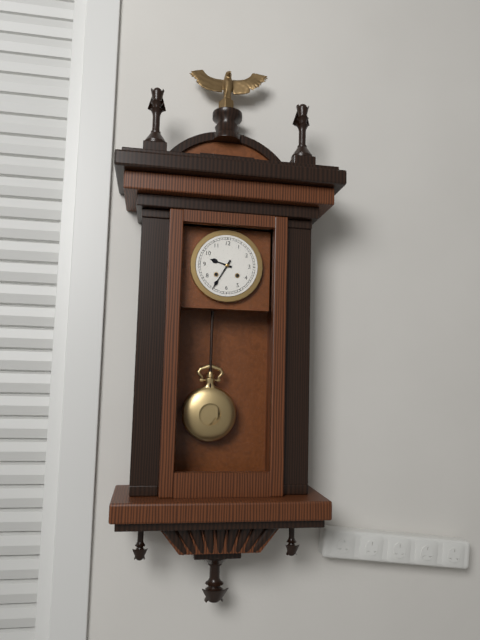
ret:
{"hour": 9, "minute": 35}
